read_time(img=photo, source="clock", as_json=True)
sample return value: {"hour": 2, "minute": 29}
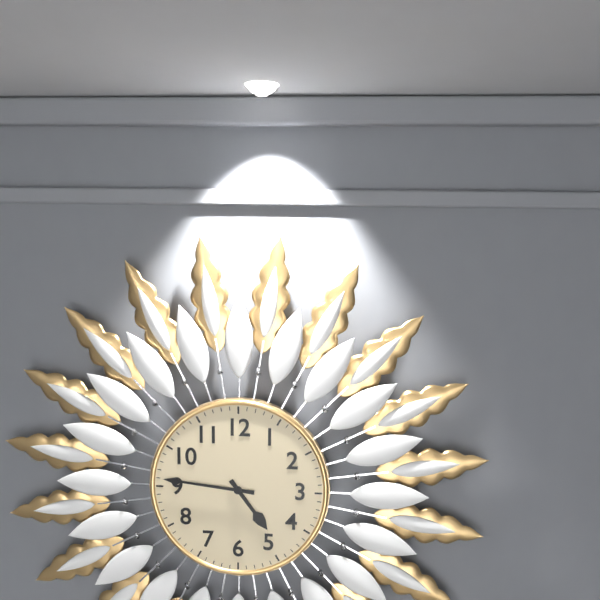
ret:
{"hour": 4, "minute": 46}
